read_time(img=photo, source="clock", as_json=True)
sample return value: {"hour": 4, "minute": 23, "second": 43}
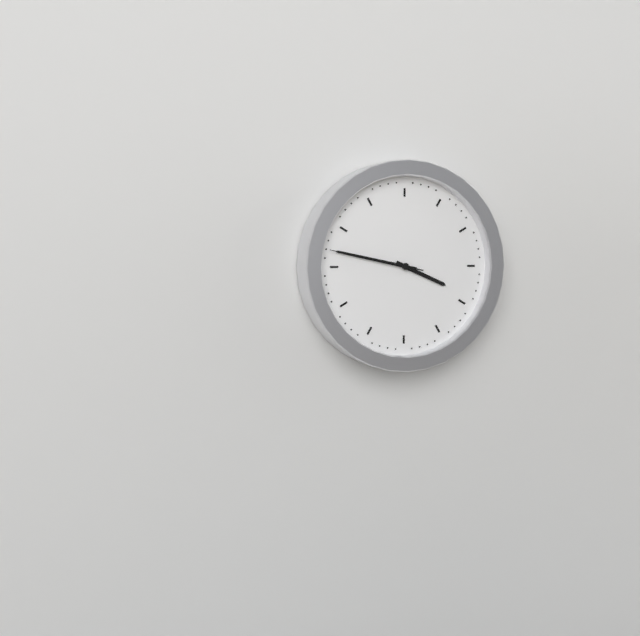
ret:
{"hour": 3, "minute": 47, "second": 47}
